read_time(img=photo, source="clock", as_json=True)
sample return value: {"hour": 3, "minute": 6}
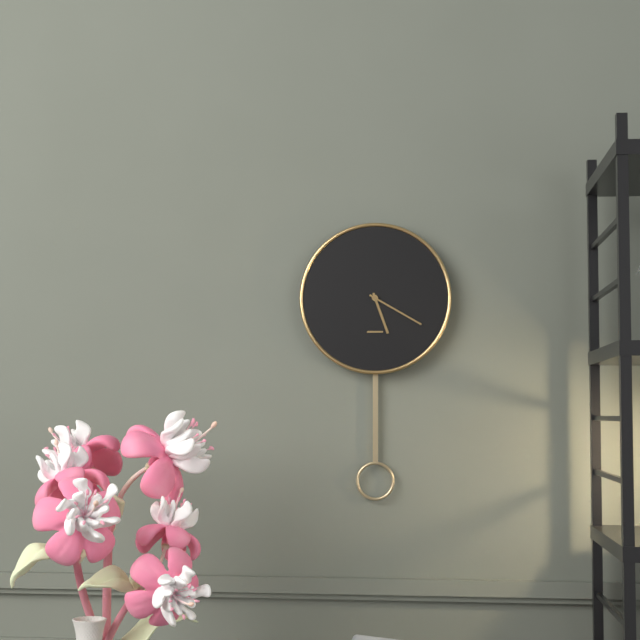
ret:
{"hour": 5, "minute": 20}
